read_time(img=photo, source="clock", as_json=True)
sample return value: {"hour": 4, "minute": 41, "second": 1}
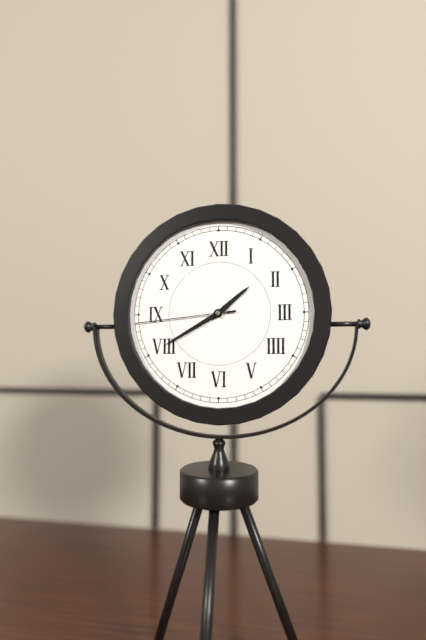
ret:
{"hour": 1, "minute": 40, "second": 44}
